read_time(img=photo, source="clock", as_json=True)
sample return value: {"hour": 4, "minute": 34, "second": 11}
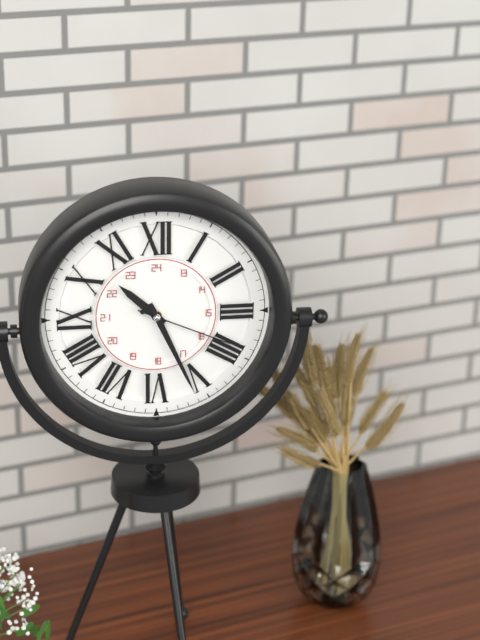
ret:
{"hour": 10, "minute": 26, "second": 19}
